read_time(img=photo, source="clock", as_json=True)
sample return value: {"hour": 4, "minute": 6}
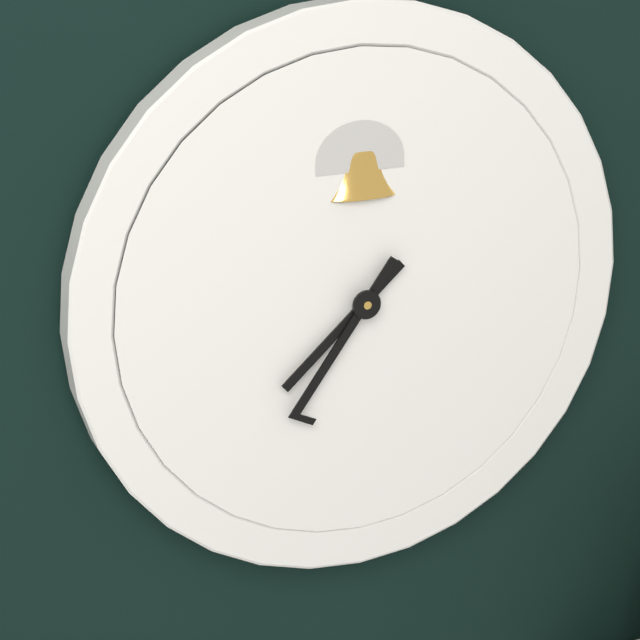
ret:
{"hour": 7, "minute": 36}
